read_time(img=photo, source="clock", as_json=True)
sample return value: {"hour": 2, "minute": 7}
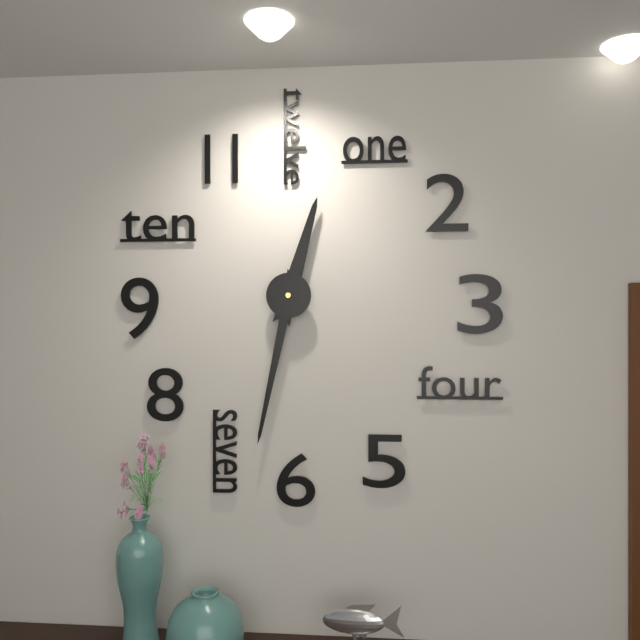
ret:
{"hour": 12, "minute": 32}
